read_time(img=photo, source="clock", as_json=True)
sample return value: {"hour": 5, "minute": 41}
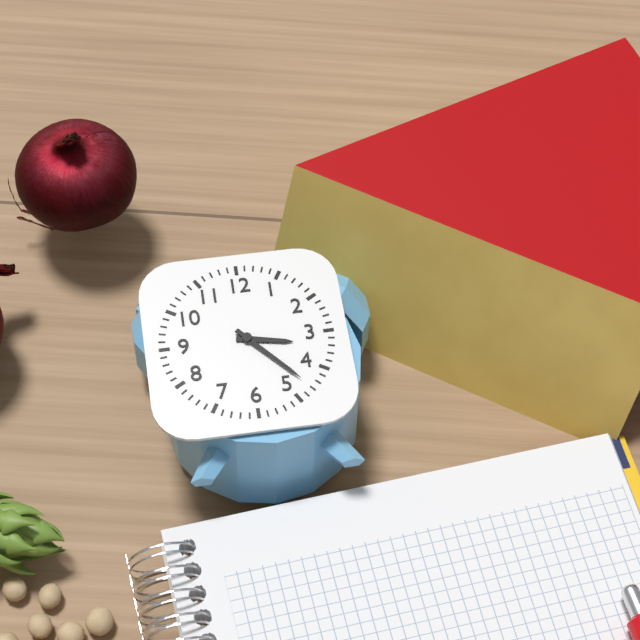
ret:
{"hour": 3, "minute": 23}
